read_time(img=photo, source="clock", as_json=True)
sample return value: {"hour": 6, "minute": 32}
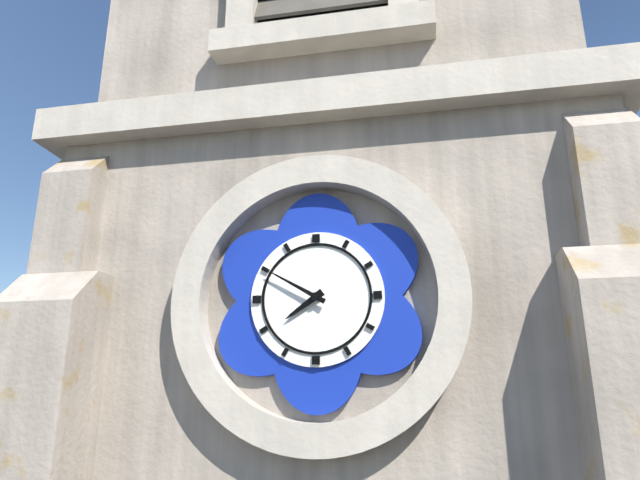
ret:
{"hour": 7, "minute": 50}
